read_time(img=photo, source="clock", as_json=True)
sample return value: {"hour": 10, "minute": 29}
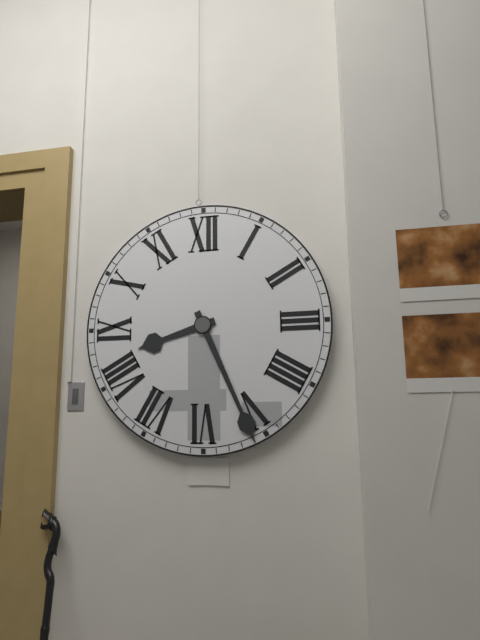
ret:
{"hour": 8, "minute": 26}
